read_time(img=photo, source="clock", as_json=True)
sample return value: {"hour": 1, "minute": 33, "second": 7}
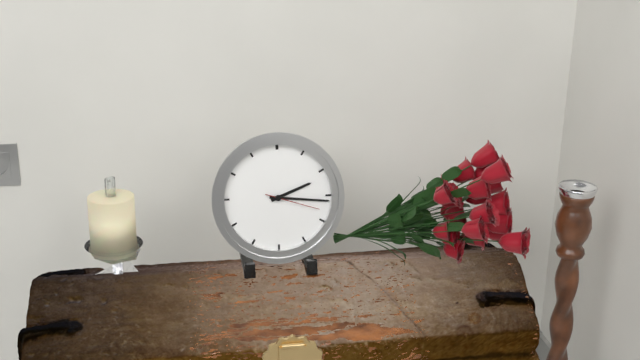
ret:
{"hour": 2, "minute": 16, "second": 18}
